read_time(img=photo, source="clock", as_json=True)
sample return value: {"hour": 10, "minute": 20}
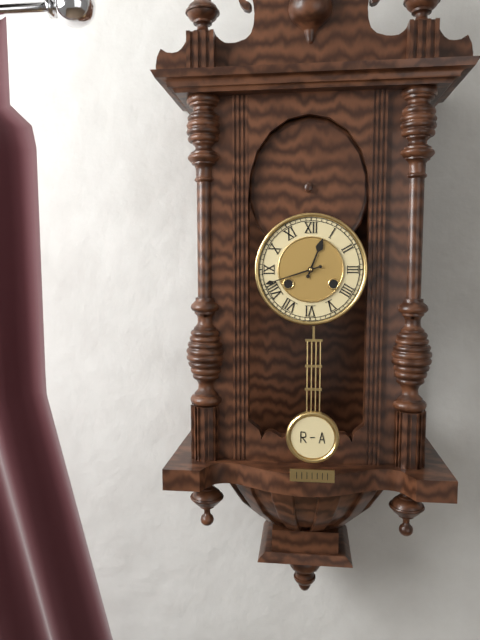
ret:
{"hour": 12, "minute": 42}
